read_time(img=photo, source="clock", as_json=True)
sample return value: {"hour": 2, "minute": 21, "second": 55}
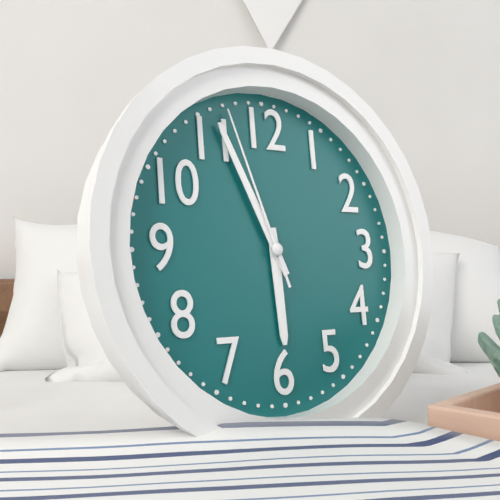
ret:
{"hour": 5, "minute": 56, "second": 57}
